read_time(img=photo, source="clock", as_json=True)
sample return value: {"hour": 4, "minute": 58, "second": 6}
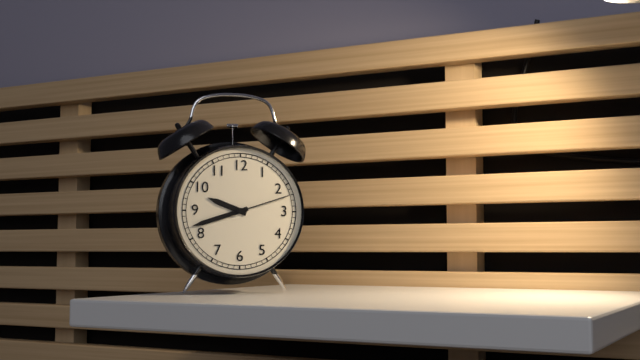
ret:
{"hour": 9, "minute": 42, "second": 12}
